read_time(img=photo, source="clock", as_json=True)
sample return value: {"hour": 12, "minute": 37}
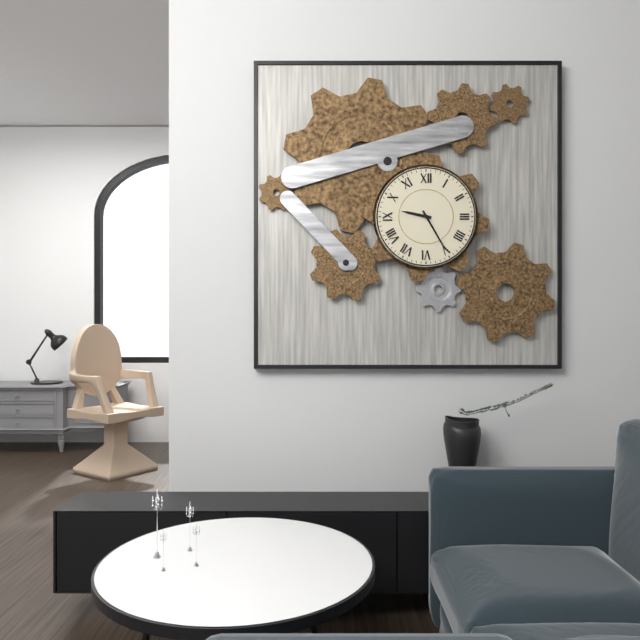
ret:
{"hour": 9, "minute": 25}
